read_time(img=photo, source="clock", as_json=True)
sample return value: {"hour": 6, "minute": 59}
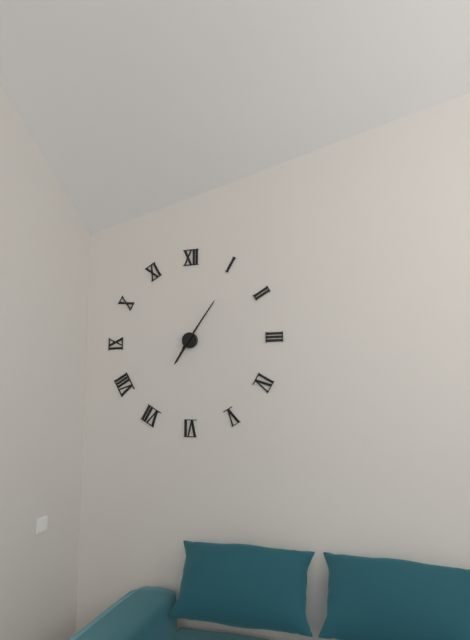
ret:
{"hour": 7, "minute": 6}
